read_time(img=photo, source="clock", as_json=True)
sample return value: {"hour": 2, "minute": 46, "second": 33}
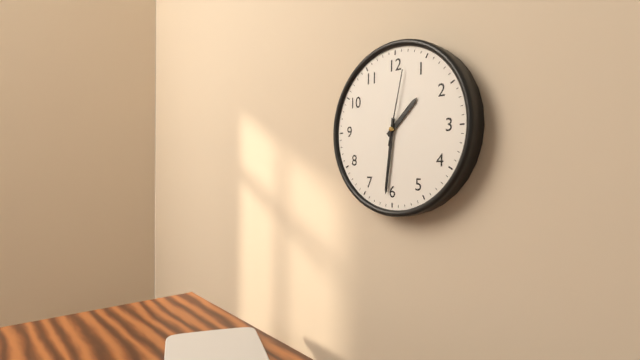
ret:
{"hour": 1, "minute": 31, "second": 2}
